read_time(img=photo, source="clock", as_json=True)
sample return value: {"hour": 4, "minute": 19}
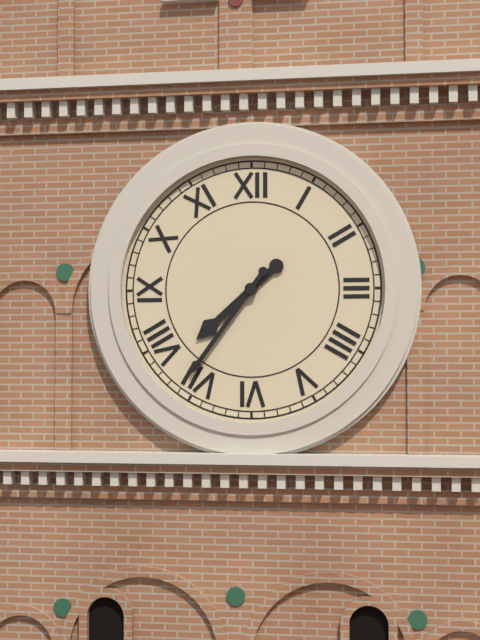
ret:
{"hour": 7, "minute": 36}
